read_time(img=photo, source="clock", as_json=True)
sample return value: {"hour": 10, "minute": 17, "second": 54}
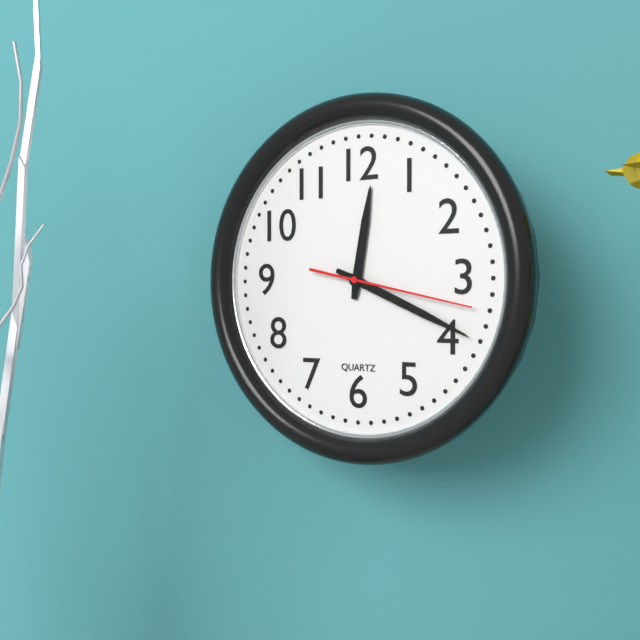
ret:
{"hour": 12, "minute": 19, "second": 17}
